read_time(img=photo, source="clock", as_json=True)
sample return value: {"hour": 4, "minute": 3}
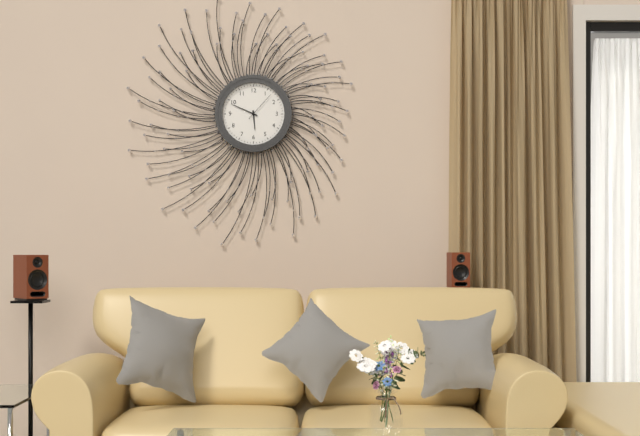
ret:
{"hour": 5, "minute": 49}
